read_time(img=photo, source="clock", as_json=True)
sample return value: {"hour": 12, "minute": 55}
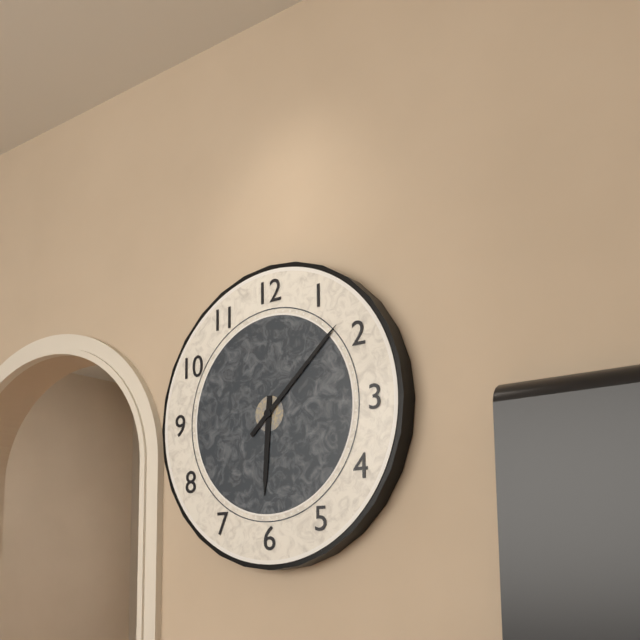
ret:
{"hour": 6, "minute": 8}
